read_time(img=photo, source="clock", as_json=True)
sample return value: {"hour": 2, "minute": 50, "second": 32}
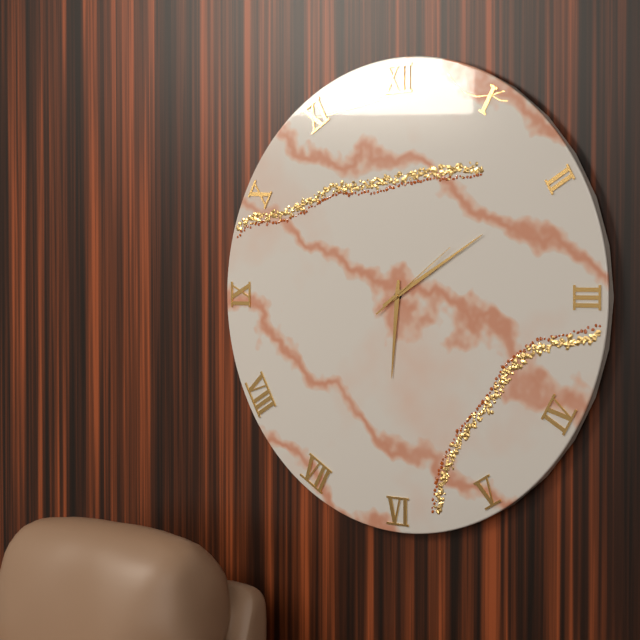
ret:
{"hour": 6, "minute": 10, "second": 9}
